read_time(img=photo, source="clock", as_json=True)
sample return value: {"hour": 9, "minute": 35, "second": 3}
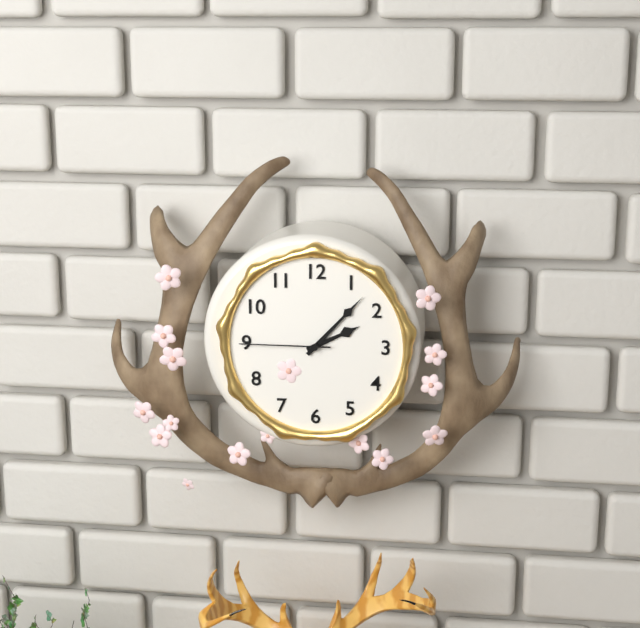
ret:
{"hour": 2, "minute": 7, "second": 45}
